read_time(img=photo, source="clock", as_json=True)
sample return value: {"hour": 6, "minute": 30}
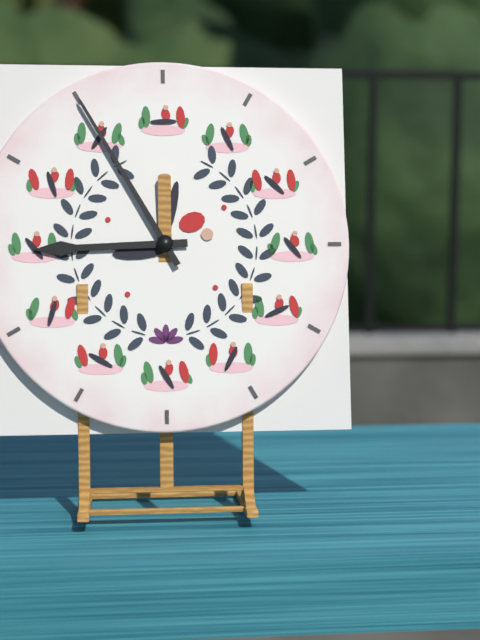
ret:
{"hour": 8, "minute": 55}
